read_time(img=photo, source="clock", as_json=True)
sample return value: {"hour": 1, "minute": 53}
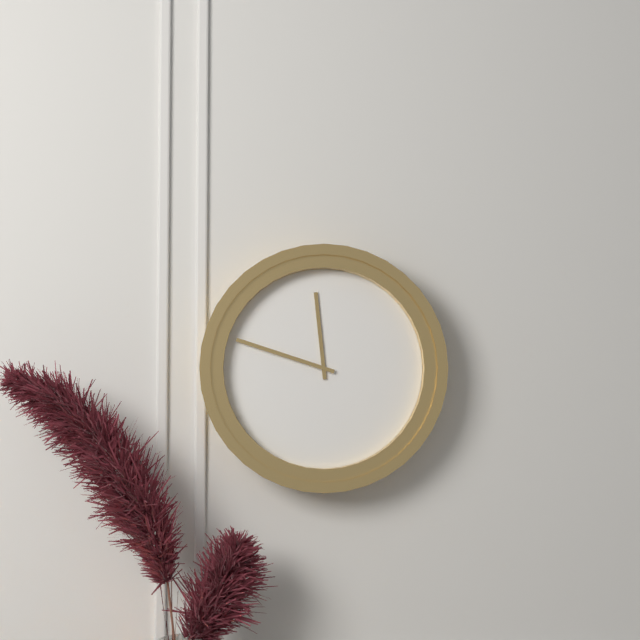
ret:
{"hour": 11, "minute": 48}
